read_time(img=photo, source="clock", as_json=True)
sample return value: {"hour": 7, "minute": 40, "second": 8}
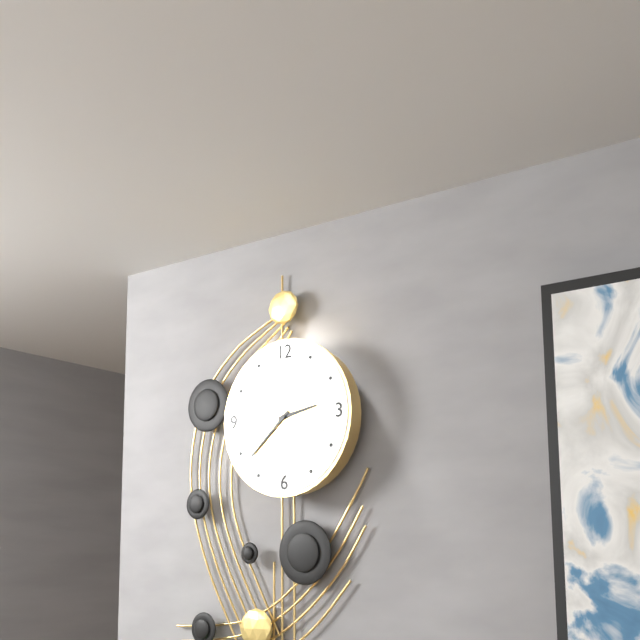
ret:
{"hour": 2, "minute": 38, "second": 30}
